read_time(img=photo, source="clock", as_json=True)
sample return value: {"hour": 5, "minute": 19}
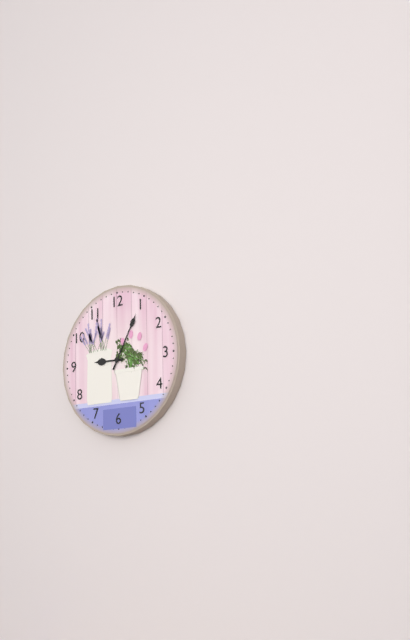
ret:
{"hour": 9, "minute": 5}
